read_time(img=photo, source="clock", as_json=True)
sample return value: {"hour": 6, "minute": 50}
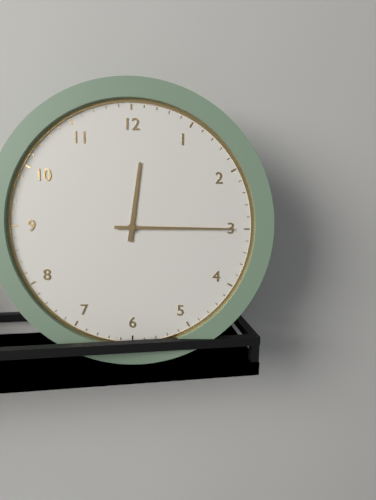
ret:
{"hour": 12, "minute": 15}
